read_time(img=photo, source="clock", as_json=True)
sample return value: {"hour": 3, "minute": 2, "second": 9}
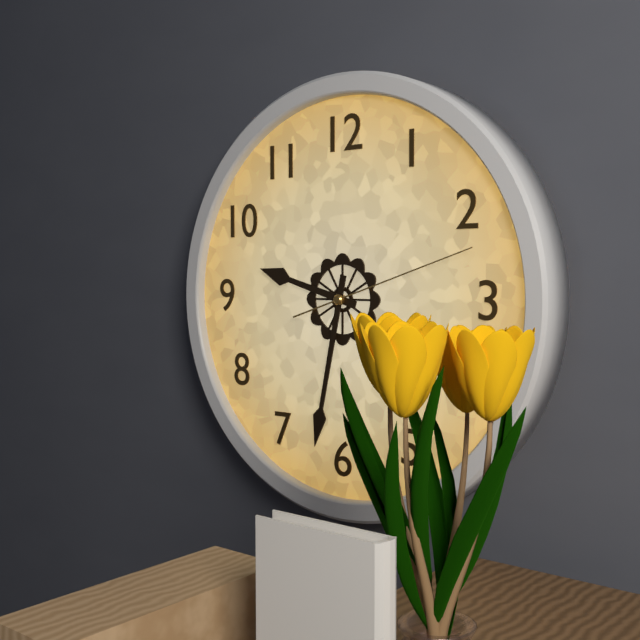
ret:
{"hour": 9, "minute": 32, "second": 12}
